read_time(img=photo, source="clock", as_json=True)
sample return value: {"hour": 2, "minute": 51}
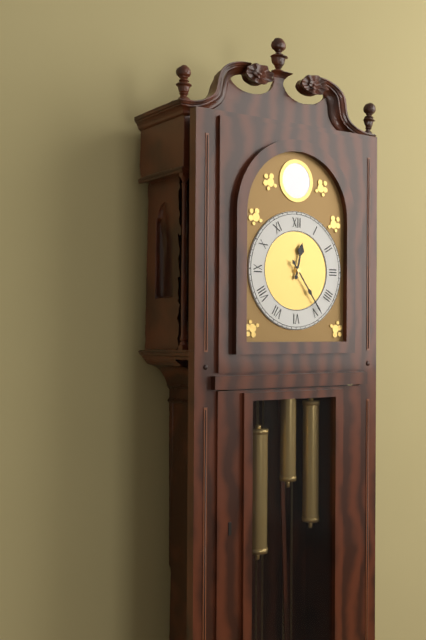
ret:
{"hour": 12, "minute": 24}
